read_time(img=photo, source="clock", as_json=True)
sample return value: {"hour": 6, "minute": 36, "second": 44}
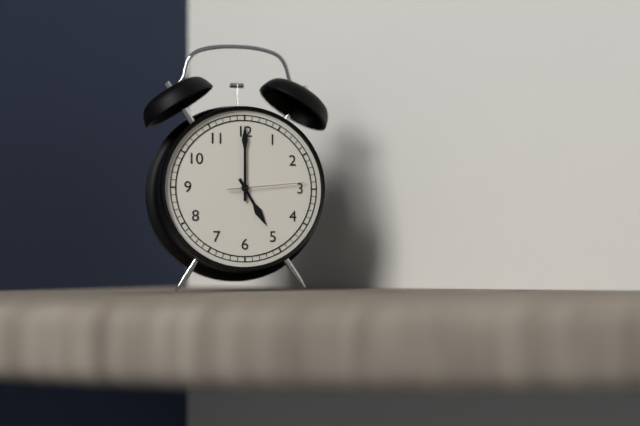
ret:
{"hour": 5, "minute": 0, "second": 14}
